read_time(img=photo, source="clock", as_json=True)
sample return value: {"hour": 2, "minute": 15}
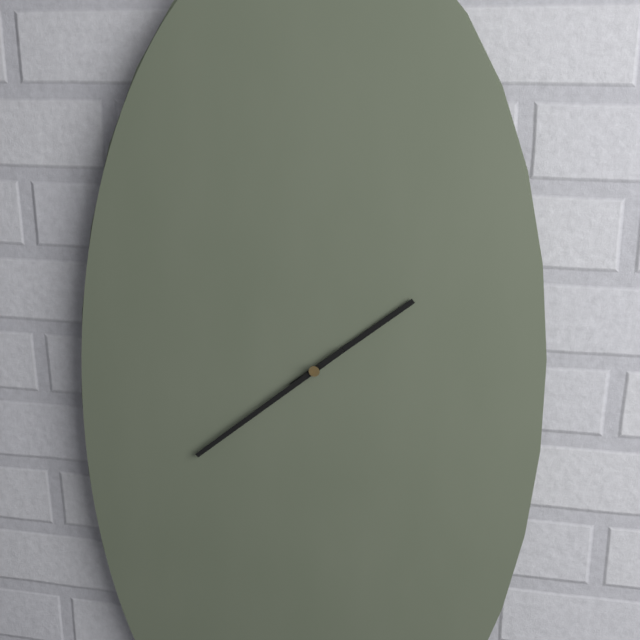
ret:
{"hour": 1, "minute": 38}
